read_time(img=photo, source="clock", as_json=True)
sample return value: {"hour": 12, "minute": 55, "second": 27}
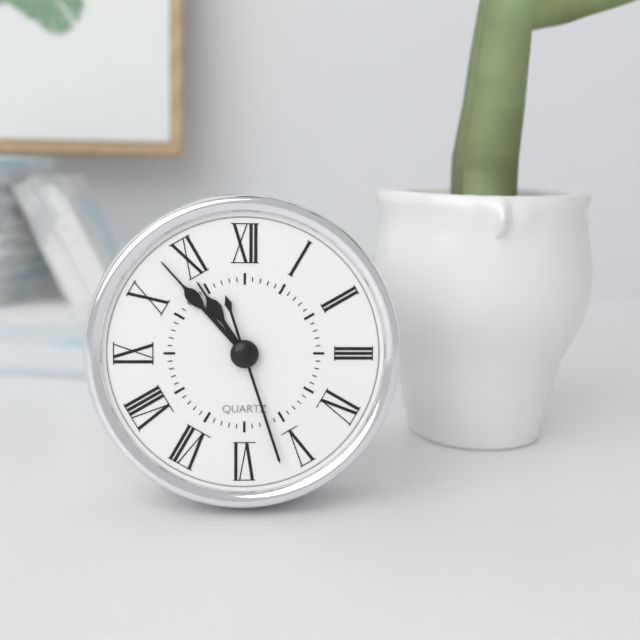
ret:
{"hour": 10, "minute": 53, "second": 27}
